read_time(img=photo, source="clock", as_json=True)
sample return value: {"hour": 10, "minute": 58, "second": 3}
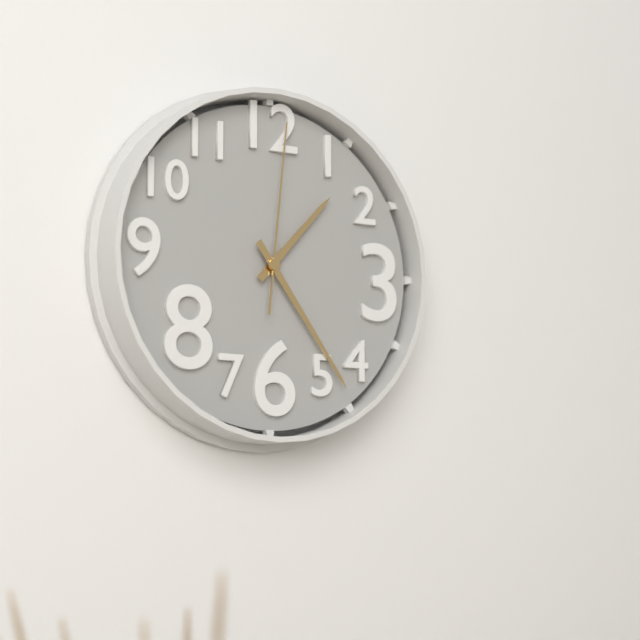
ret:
{"hour": 1, "minute": 24, "second": 1}
